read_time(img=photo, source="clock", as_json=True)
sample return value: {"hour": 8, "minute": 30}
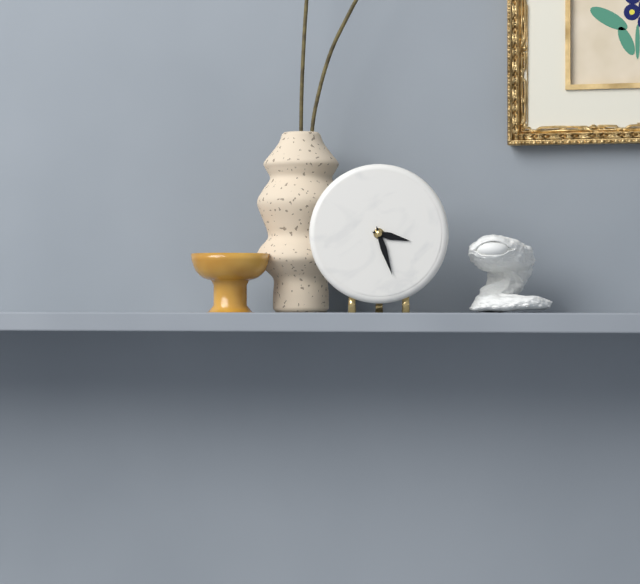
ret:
{"hour": 3, "minute": 27}
